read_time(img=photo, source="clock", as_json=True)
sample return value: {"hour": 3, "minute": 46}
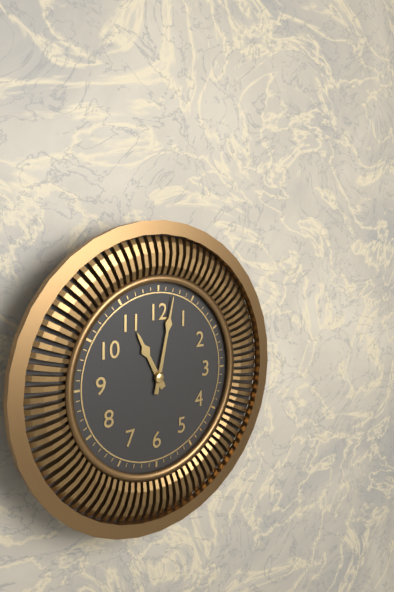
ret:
{"hour": 11, "minute": 2}
